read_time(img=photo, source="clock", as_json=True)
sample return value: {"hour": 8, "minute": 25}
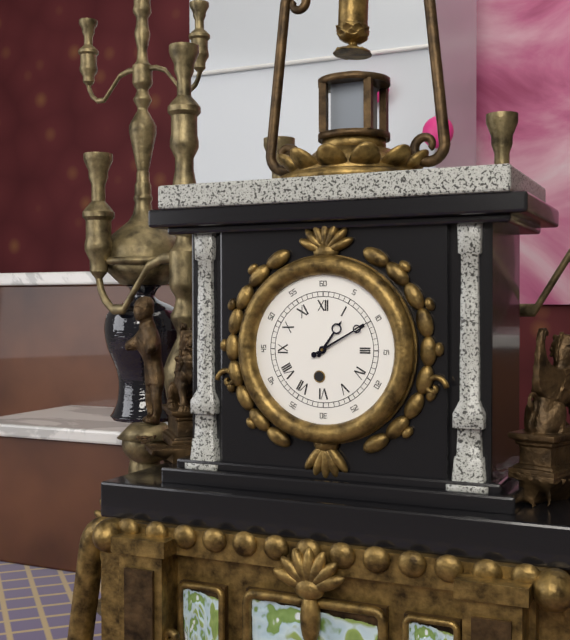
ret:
{"hour": 1, "minute": 10}
